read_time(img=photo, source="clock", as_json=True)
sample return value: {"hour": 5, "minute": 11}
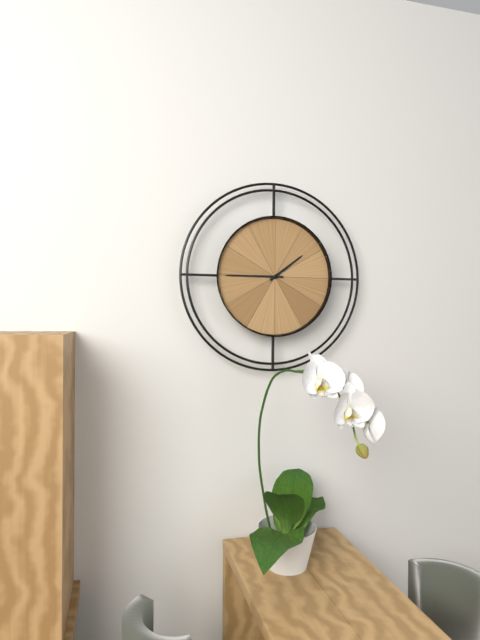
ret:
{"hour": 1, "minute": 45}
